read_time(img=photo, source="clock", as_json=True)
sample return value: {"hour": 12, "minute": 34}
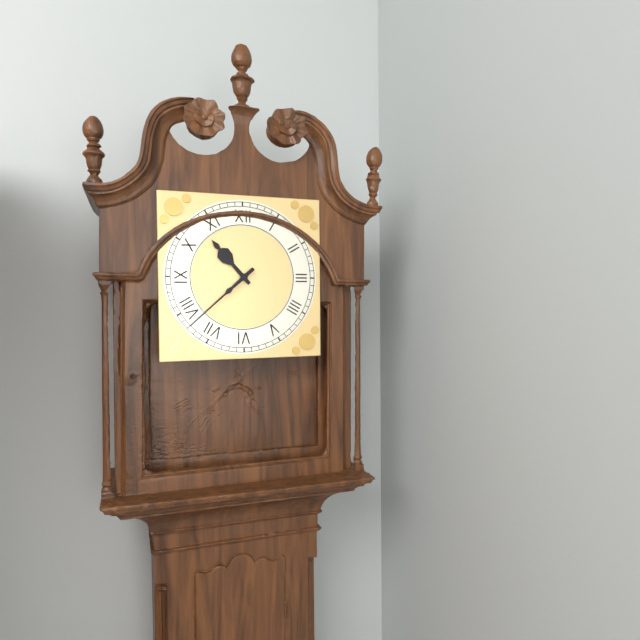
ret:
{"hour": 10, "minute": 38}
